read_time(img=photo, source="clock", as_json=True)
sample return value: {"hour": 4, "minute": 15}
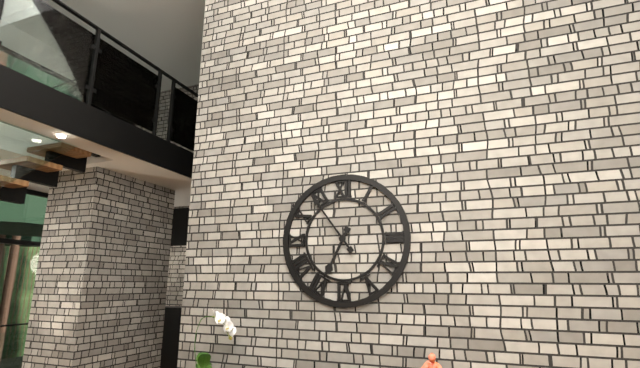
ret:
{"hour": 6, "minute": 54}
